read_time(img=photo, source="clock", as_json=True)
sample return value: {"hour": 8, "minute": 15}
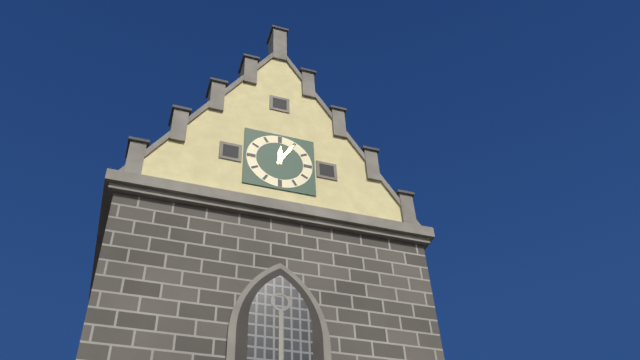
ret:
{"hour": 12, "minute": 5}
